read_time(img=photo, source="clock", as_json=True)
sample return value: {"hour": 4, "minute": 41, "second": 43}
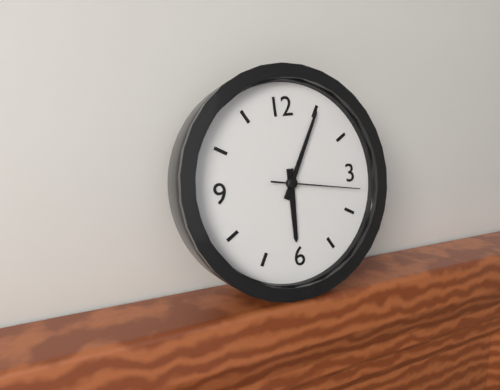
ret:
{"hour": 6, "minute": 5, "second": 17}
